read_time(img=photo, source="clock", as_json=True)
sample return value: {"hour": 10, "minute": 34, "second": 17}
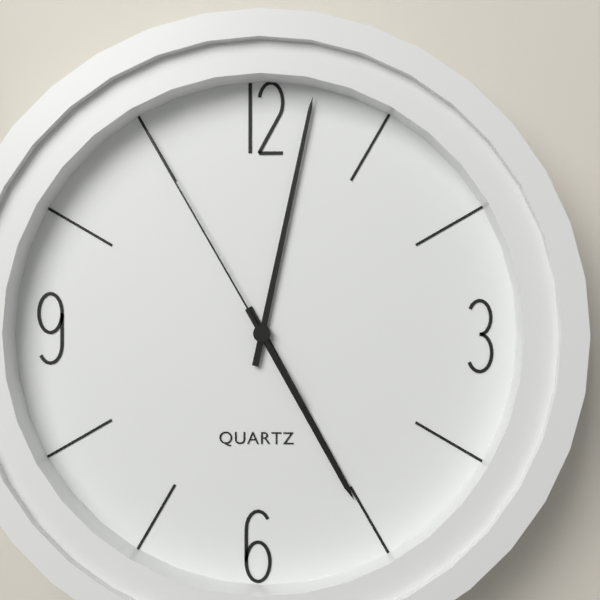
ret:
{"hour": 5, "minute": 2, "second": 55}
